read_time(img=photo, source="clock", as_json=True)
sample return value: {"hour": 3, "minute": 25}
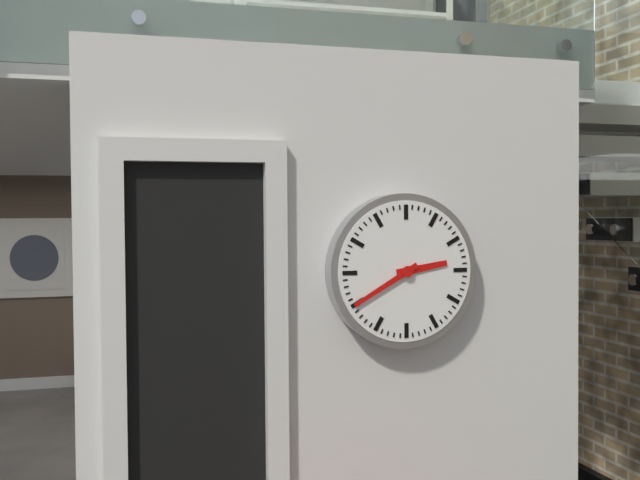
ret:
{"hour": 2, "minute": 40}
